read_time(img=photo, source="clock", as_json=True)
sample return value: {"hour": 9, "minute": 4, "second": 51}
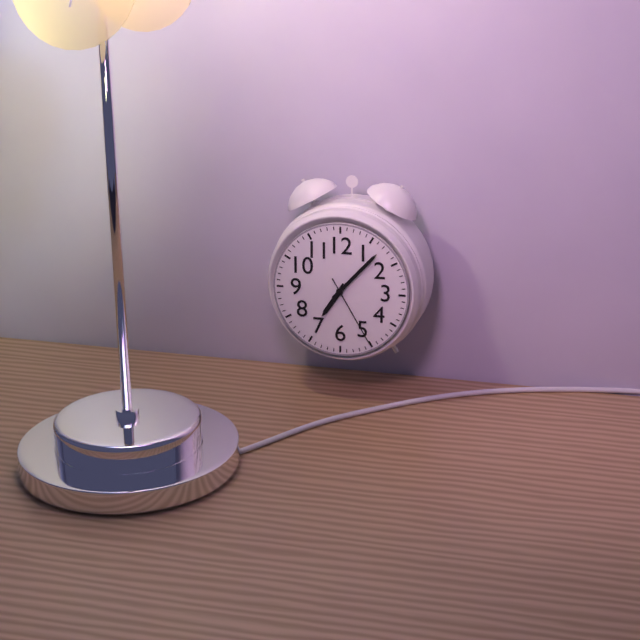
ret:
{"hour": 7, "minute": 7, "second": 25}
